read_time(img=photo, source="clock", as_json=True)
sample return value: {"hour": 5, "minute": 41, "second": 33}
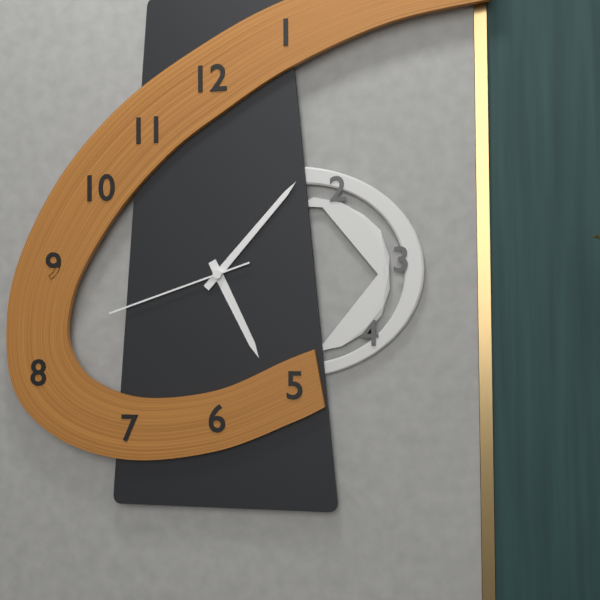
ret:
{"hour": 5, "minute": 7, "second": 42}
